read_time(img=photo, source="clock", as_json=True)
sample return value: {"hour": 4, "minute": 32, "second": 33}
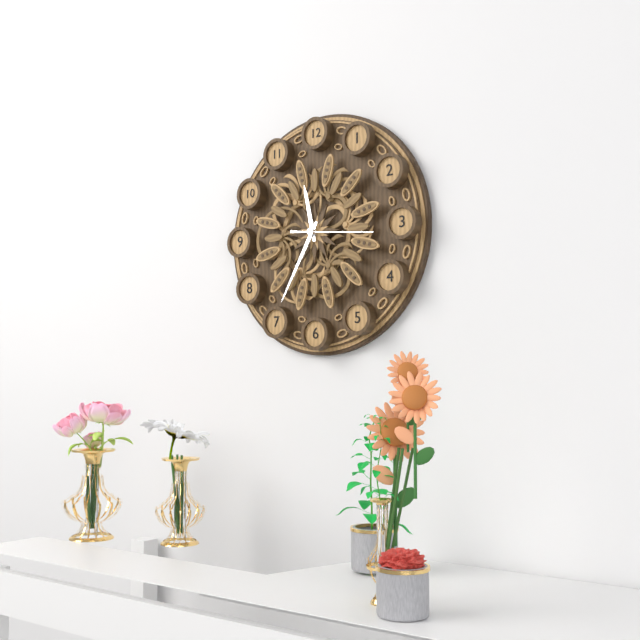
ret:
{"hour": 11, "minute": 35, "second": 16}
